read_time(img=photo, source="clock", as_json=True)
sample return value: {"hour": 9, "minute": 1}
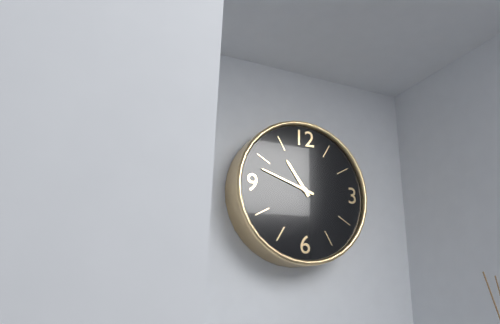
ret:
{"hour": 10, "minute": 48}
